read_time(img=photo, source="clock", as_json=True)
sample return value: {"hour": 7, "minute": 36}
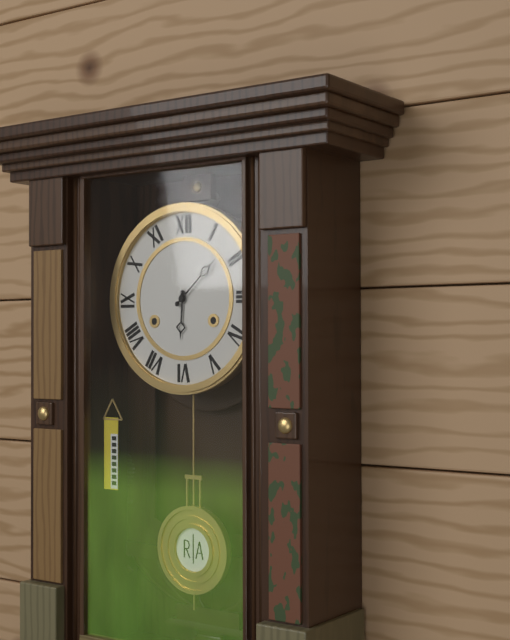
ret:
{"hour": 6, "minute": 8}
